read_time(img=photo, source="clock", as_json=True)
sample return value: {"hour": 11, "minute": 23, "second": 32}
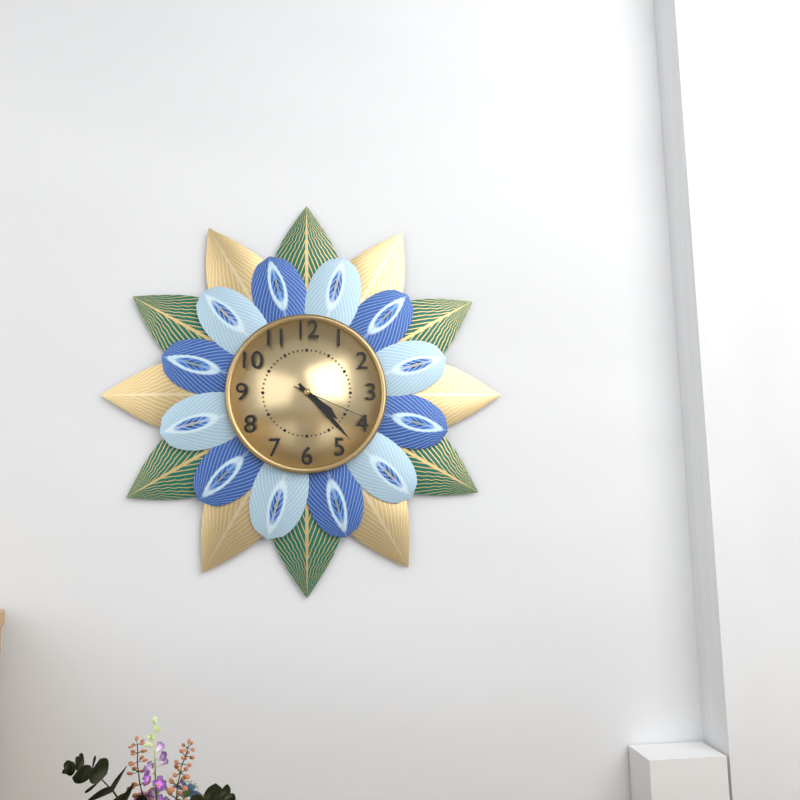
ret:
{"hour": 4, "minute": 23, "second": 19}
